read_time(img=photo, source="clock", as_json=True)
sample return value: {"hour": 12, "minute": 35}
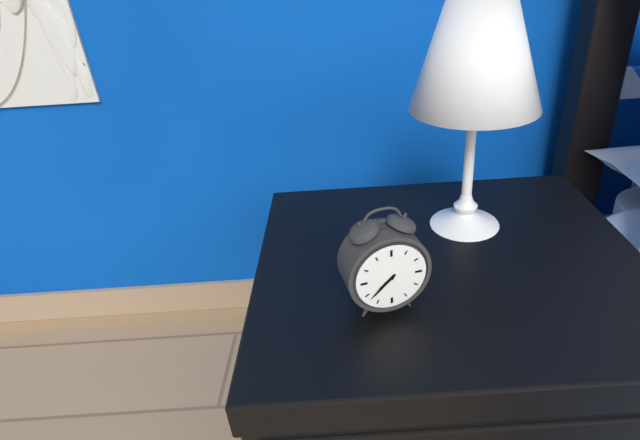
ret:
{"hour": 7, "minute": 38}
